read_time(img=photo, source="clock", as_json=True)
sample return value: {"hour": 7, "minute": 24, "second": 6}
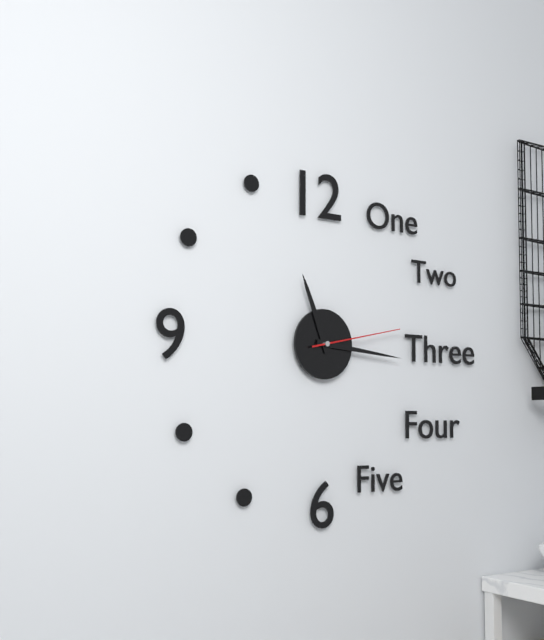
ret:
{"hour": 11, "minute": 16, "second": 13}
